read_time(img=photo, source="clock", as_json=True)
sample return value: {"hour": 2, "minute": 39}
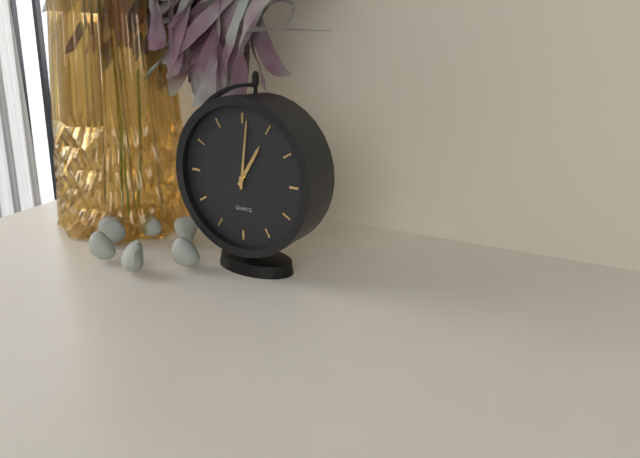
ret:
{"hour": 1, "minute": 1}
